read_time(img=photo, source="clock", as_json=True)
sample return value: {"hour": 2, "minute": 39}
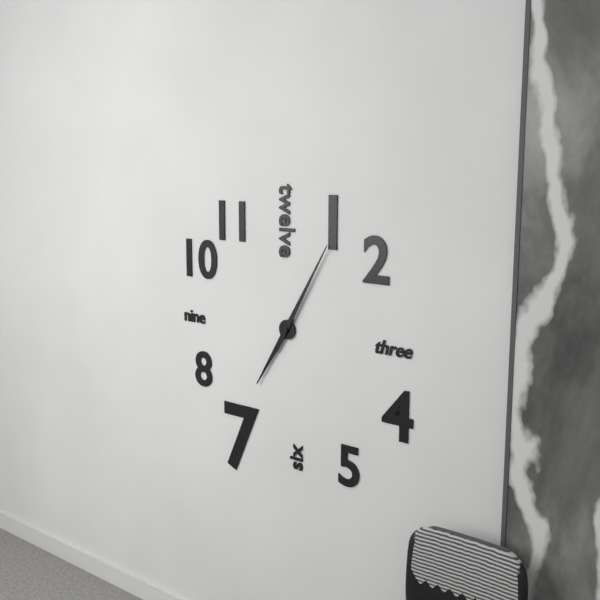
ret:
{"hour": 7, "minute": 5}
